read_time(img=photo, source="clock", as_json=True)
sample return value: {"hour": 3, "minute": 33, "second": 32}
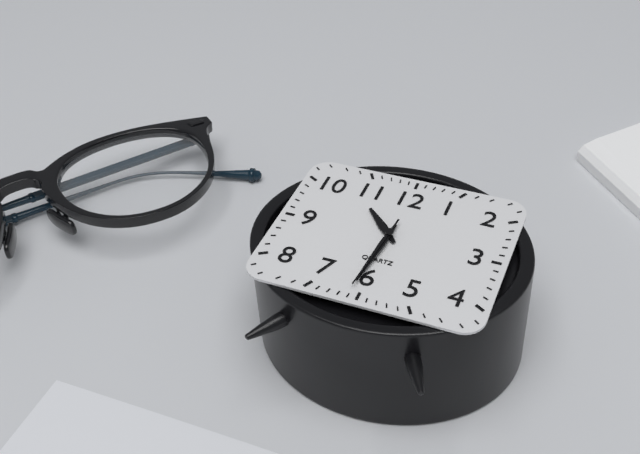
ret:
{"hour": 10, "minute": 31, "second": 31}
